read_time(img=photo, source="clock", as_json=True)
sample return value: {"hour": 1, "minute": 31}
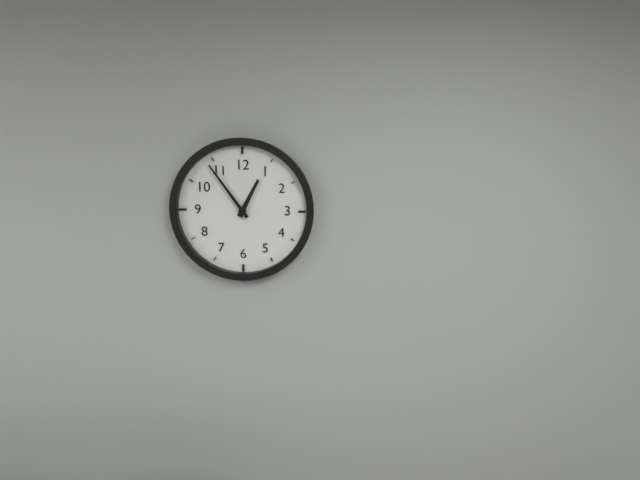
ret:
{"hour": 12, "minute": 54}
